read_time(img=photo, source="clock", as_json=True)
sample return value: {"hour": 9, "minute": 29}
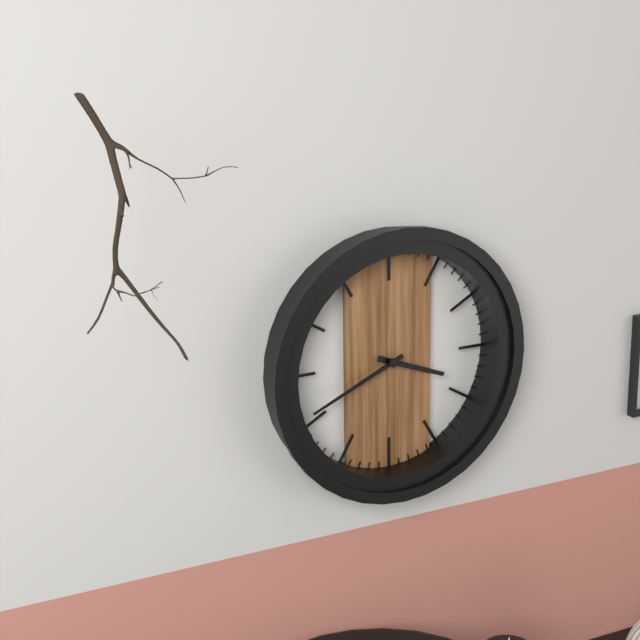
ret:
{"hour": 3, "minute": 41}
